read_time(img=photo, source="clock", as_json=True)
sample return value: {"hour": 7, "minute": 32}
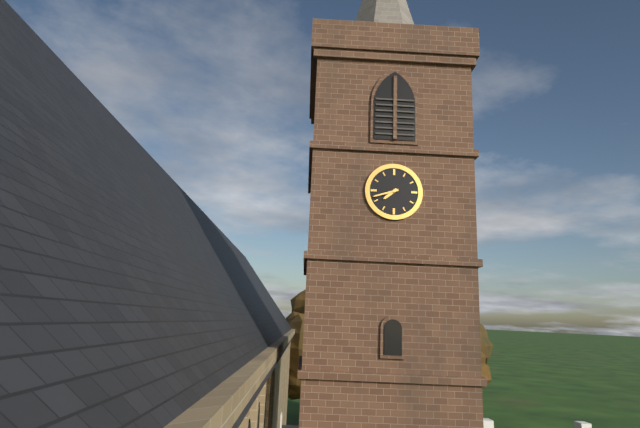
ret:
{"hour": 7, "minute": 42}
